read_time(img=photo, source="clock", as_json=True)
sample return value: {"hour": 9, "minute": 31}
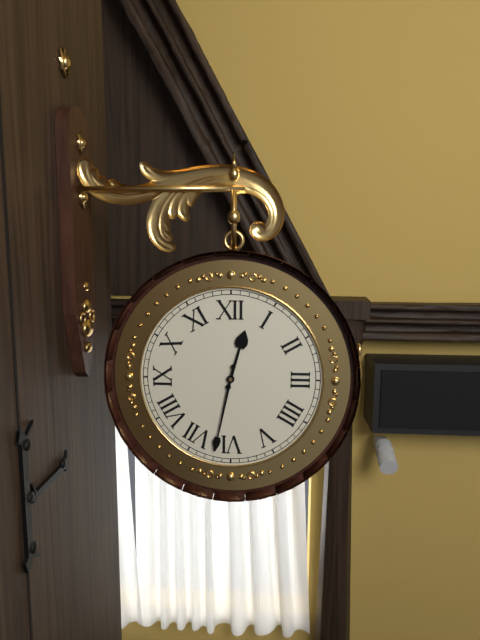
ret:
{"hour": 12, "minute": 32}
